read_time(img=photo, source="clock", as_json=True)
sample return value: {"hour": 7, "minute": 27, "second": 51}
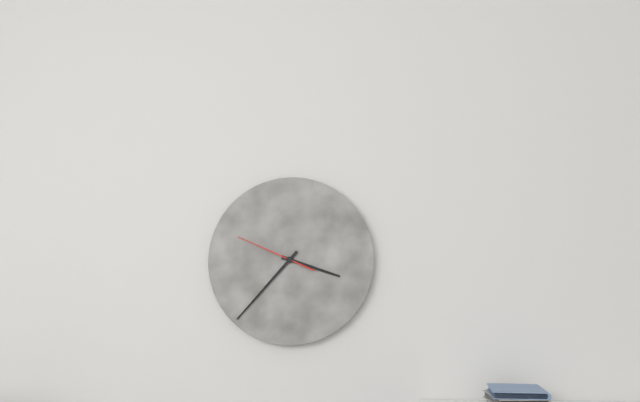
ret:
{"hour": 3, "minute": 37, "second": 49}
